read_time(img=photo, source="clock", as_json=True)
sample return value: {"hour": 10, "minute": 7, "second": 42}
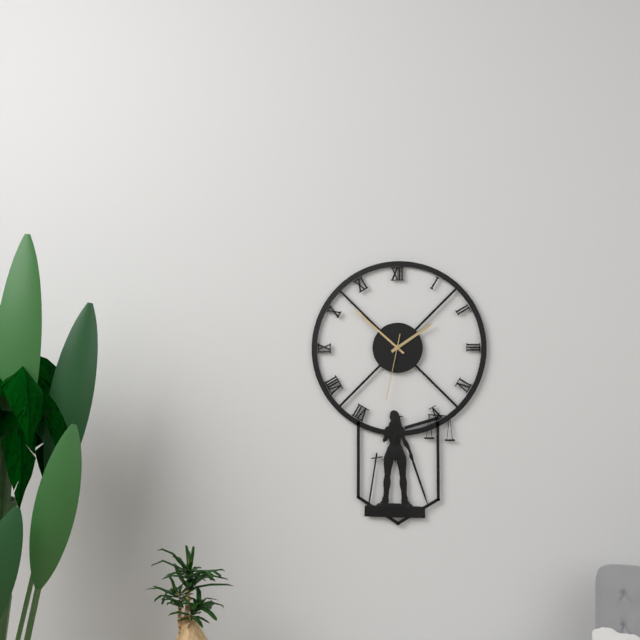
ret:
{"hour": 1, "minute": 52, "second": 32}
